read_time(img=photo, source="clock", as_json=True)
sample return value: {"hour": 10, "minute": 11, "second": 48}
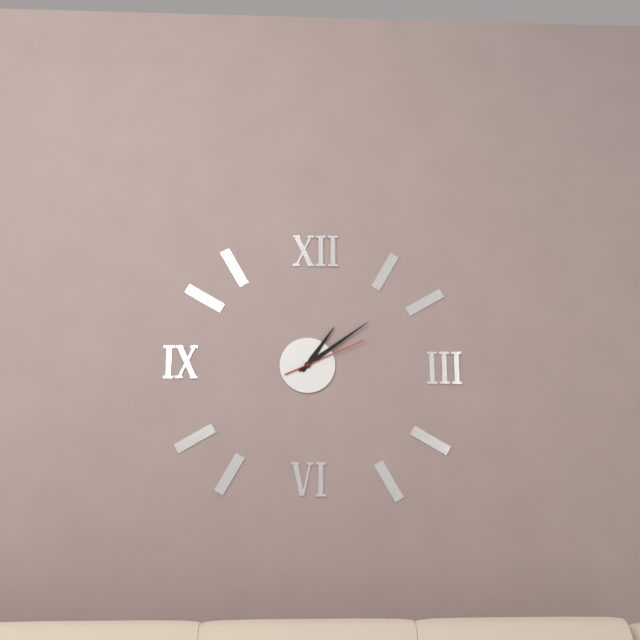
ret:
{"hour": 1, "minute": 9, "second": 11}
